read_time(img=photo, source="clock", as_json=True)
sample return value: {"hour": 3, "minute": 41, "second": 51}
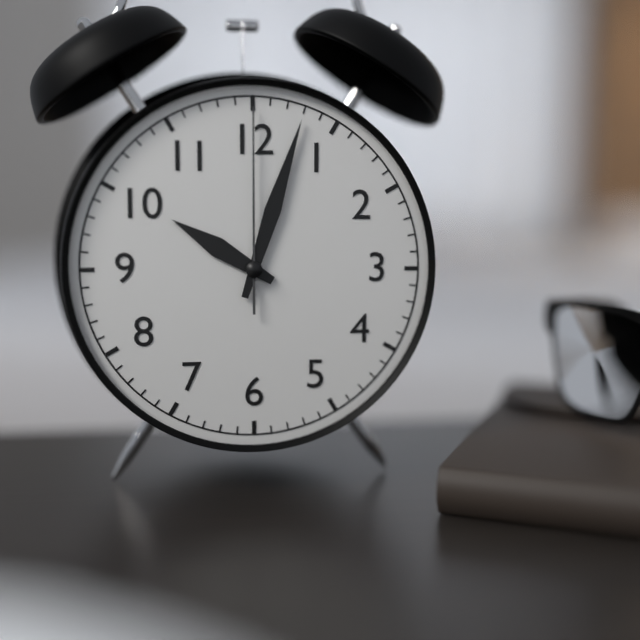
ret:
{"hour": 10, "minute": 3, "second": 0}
